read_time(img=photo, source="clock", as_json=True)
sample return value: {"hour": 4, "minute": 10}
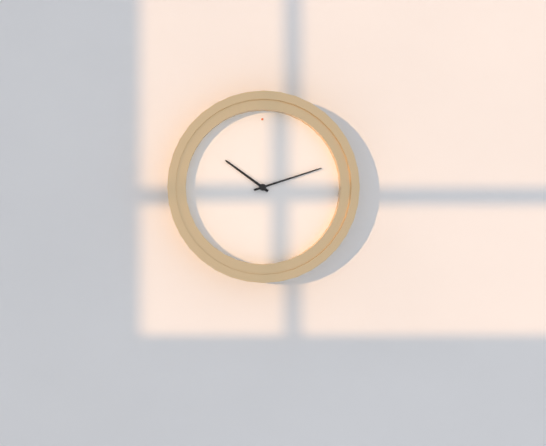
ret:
{"hour": 10, "minute": 12}
